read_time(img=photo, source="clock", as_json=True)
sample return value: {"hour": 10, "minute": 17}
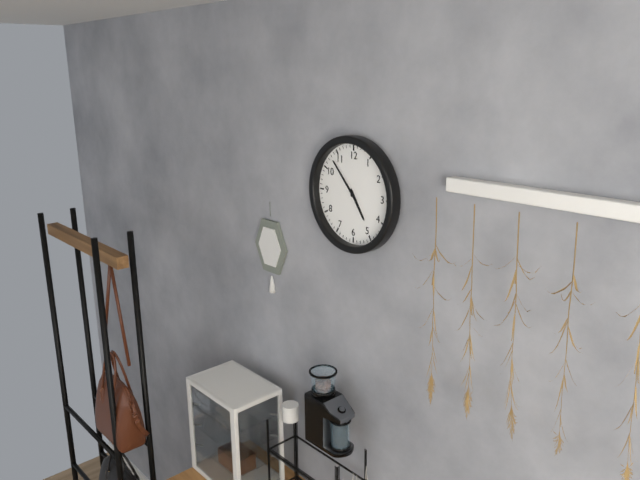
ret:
{"hour": 4, "minute": 53}
